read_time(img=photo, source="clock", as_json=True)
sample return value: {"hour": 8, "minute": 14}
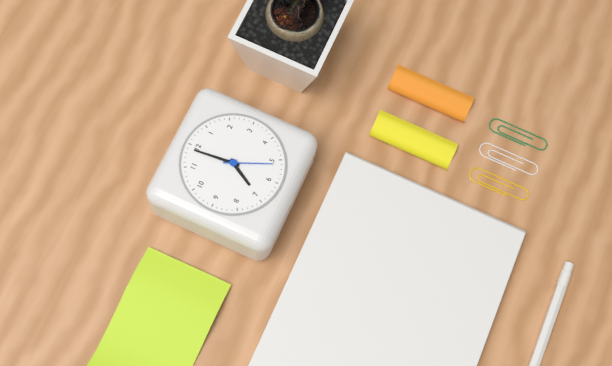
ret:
{"hour": 6, "minute": 59}
